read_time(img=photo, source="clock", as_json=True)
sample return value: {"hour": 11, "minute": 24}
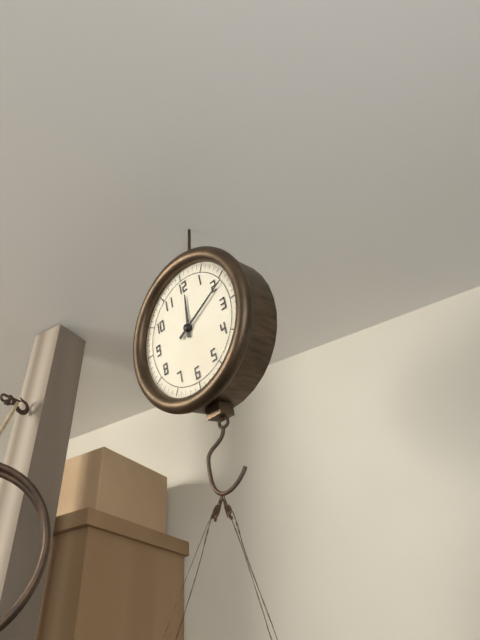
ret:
{"hour": 12, "minute": 11}
